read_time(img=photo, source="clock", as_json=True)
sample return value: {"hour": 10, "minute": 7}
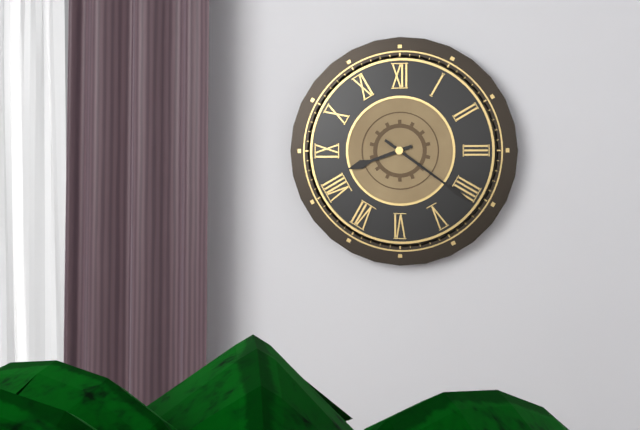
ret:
{"hour": 8, "minute": 21}
